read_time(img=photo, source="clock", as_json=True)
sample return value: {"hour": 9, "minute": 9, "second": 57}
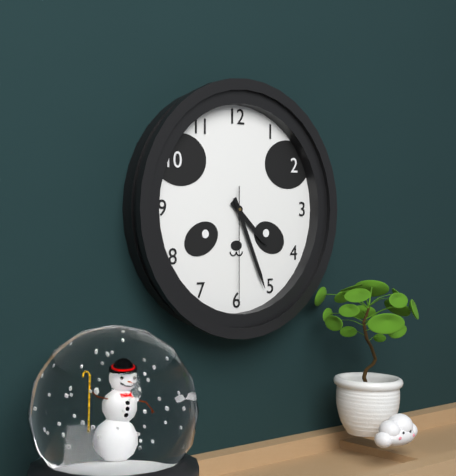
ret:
{"hour": 4, "minute": 26, "second": 30}
